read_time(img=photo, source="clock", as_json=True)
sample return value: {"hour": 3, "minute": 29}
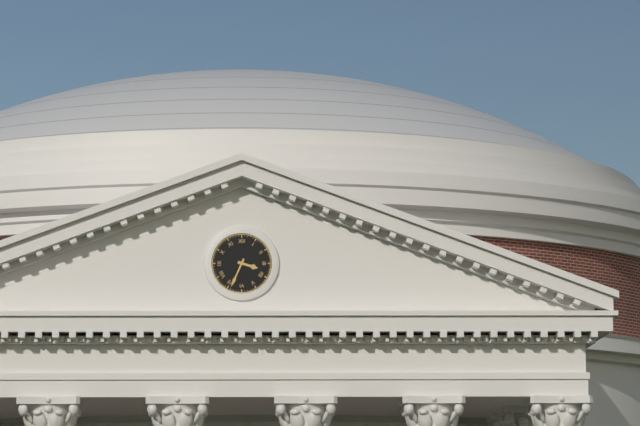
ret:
{"hour": 3, "minute": 34}
